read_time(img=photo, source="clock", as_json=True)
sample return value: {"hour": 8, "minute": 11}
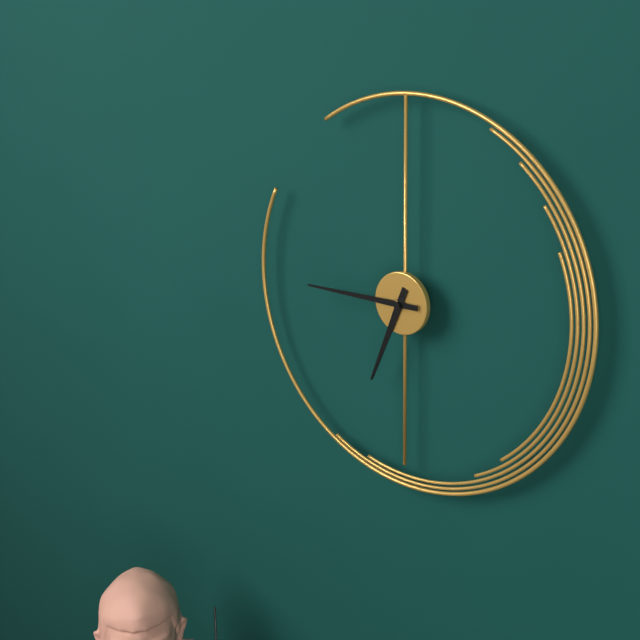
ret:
{"hour": 6, "minute": 45}
